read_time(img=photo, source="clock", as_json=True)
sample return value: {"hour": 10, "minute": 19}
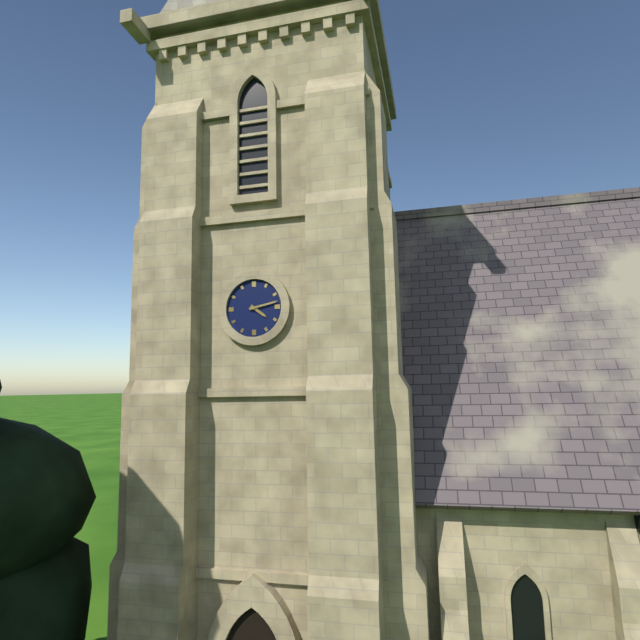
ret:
{"hour": 4, "minute": 13}
